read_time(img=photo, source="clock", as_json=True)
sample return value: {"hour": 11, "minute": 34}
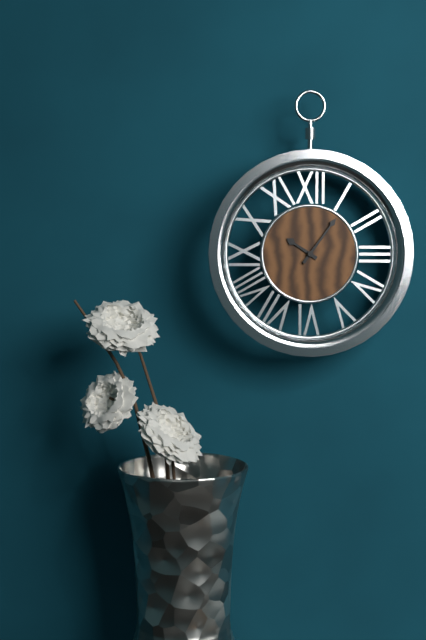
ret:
{"hour": 10, "minute": 6}
